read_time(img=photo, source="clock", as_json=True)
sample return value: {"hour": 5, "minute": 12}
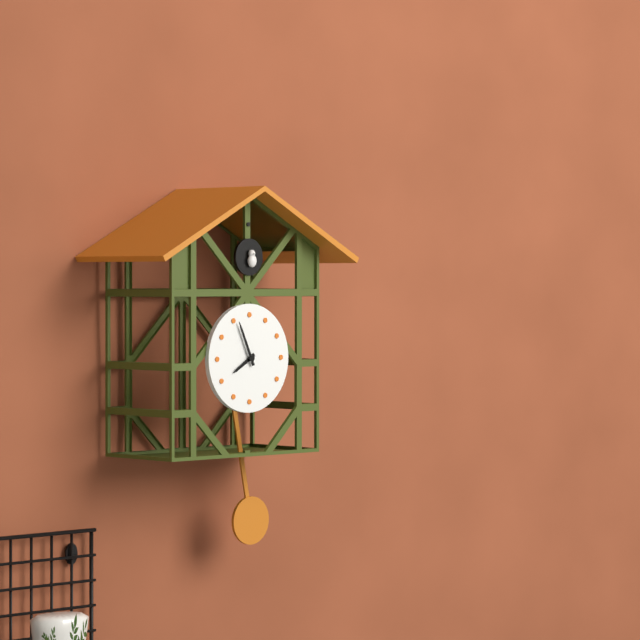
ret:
{"hour": 7, "minute": 56}
